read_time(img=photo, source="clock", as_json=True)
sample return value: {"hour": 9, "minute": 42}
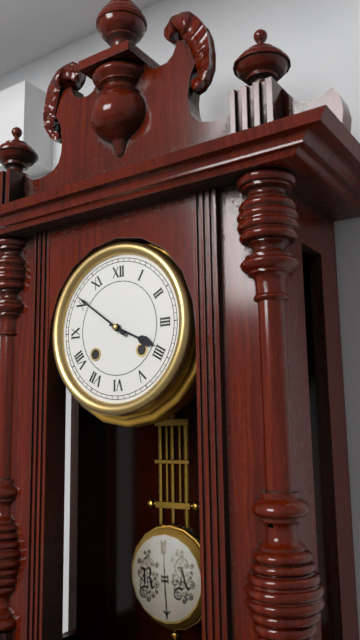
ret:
{"hour": 3, "minute": 51}
